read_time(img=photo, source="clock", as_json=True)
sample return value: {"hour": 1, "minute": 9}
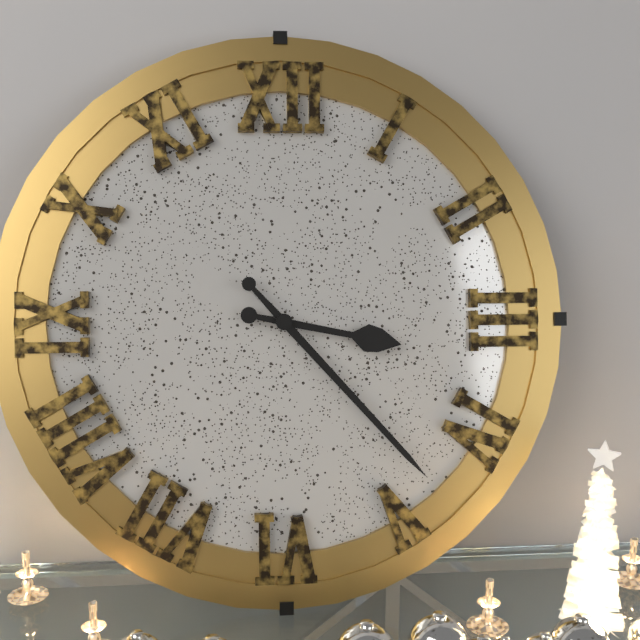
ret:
{"hour": 3, "minute": 23}
